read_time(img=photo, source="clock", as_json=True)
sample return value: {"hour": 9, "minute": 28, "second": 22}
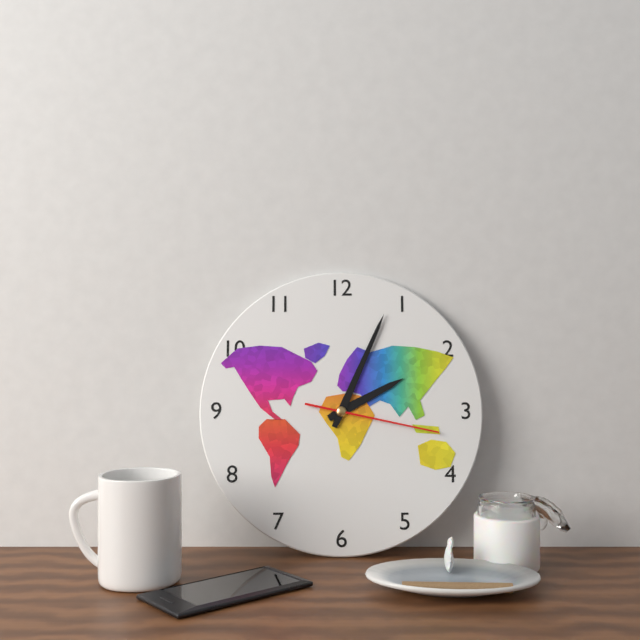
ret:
{"hour": 2, "minute": 4, "second": 17}
